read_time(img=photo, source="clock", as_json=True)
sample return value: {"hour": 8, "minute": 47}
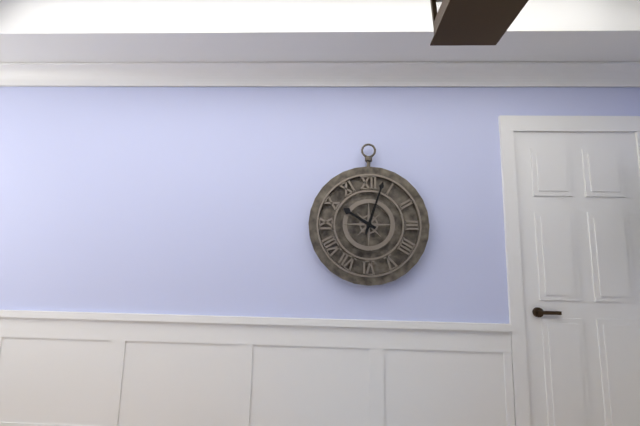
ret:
{"hour": 10, "minute": 3}
